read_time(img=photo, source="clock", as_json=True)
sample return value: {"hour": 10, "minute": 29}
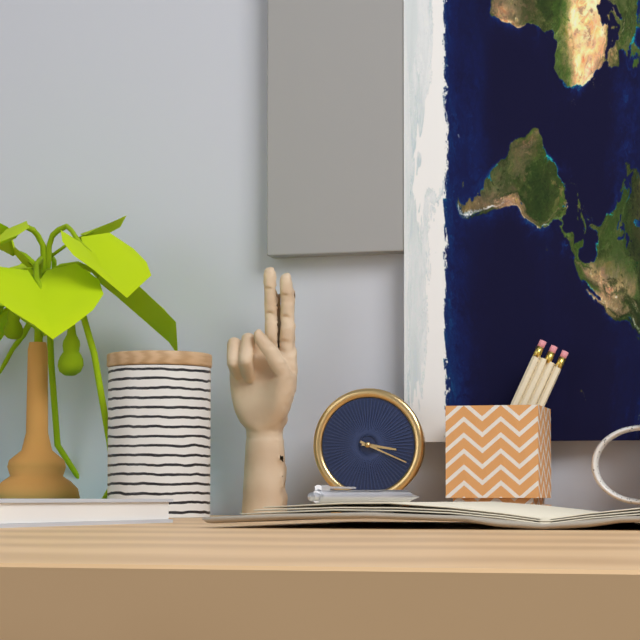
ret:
{"hour": 3, "minute": 19}
